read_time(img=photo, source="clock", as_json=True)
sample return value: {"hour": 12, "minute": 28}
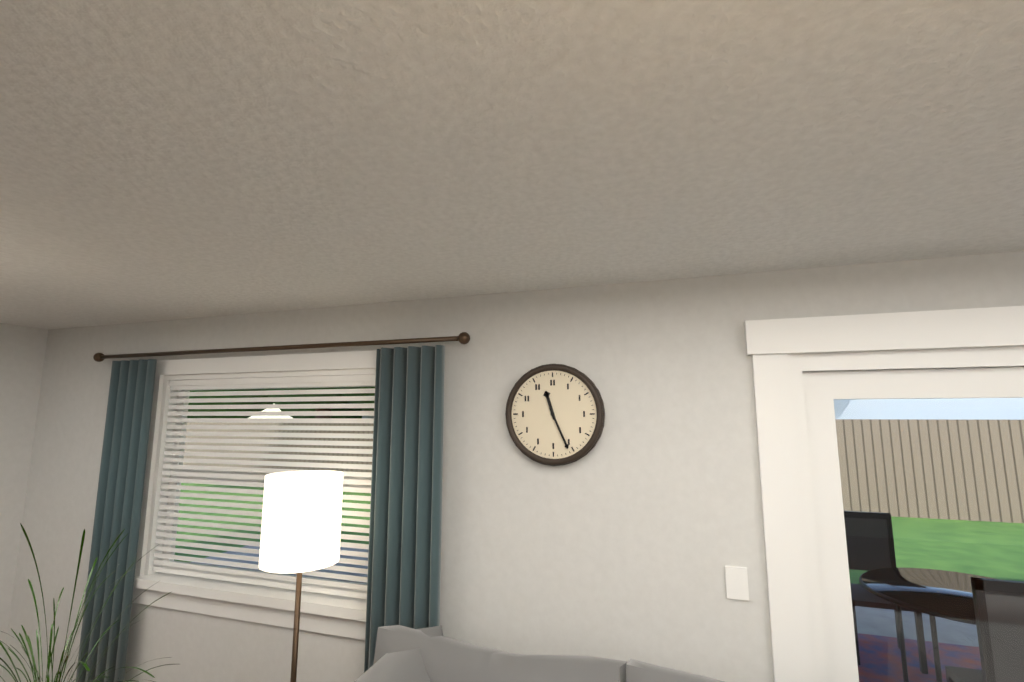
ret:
{"hour": 11, "minute": 26}
